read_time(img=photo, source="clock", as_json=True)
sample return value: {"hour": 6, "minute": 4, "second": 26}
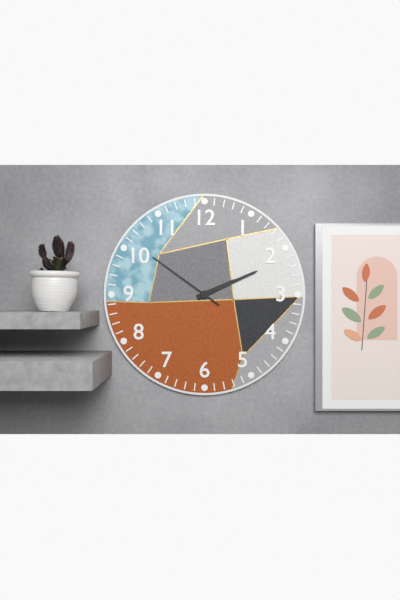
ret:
{"hour": 2, "minute": 11, "second": 51}
